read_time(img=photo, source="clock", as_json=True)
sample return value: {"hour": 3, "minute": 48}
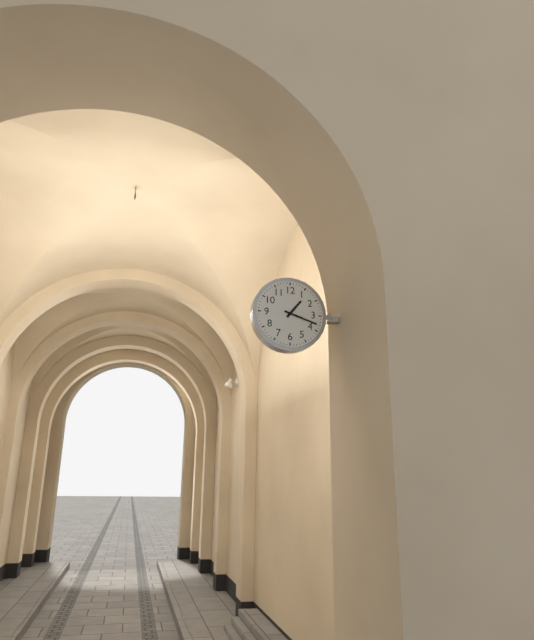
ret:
{"hour": 1, "minute": 18}
